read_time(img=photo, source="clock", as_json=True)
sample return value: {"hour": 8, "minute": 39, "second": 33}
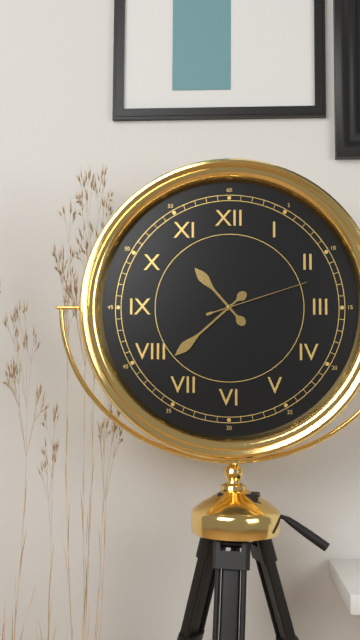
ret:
{"hour": 10, "minute": 38, "second": 12}
